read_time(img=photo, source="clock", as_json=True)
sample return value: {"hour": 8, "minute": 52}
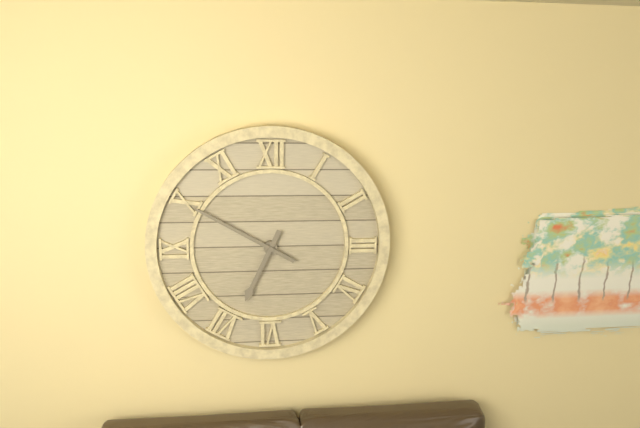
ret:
{"hour": 6, "minute": 50}
